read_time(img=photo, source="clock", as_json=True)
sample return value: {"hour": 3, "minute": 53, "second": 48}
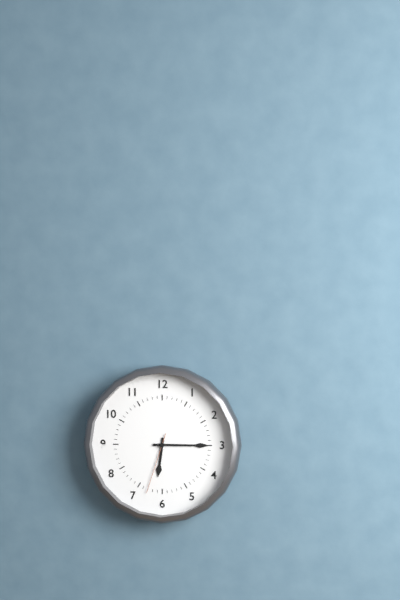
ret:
{"hour": 6, "minute": 15, "second": 33}
